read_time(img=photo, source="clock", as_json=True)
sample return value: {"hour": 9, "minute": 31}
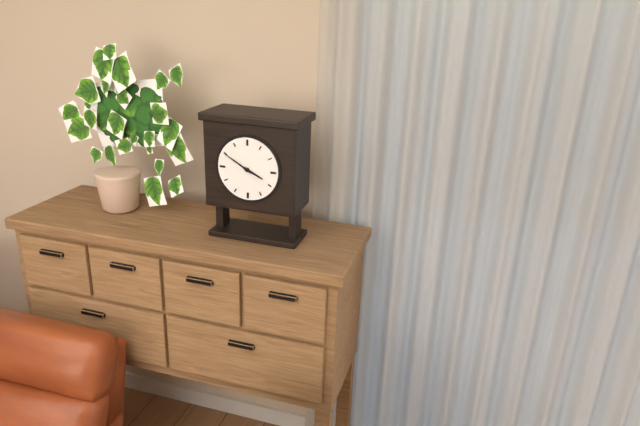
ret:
{"hour": 3, "minute": 50}
